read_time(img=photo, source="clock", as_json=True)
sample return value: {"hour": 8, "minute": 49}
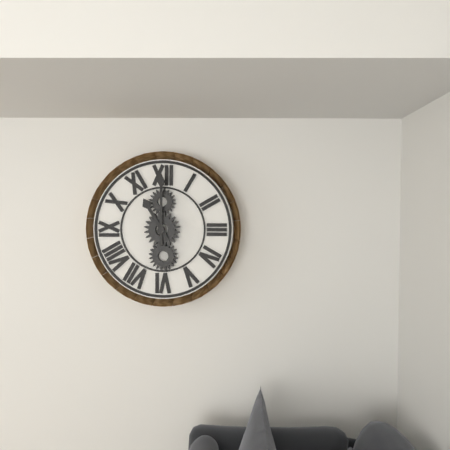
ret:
{"hour": 11, "minute": 0}
